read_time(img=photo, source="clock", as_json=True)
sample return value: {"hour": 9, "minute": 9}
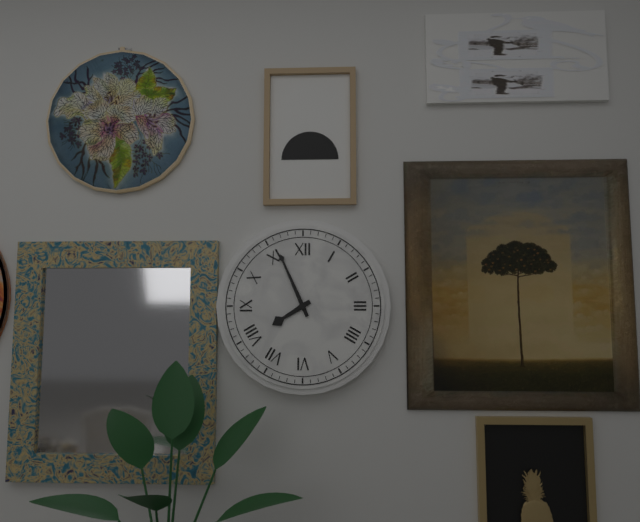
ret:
{"hour": 7, "minute": 56}
